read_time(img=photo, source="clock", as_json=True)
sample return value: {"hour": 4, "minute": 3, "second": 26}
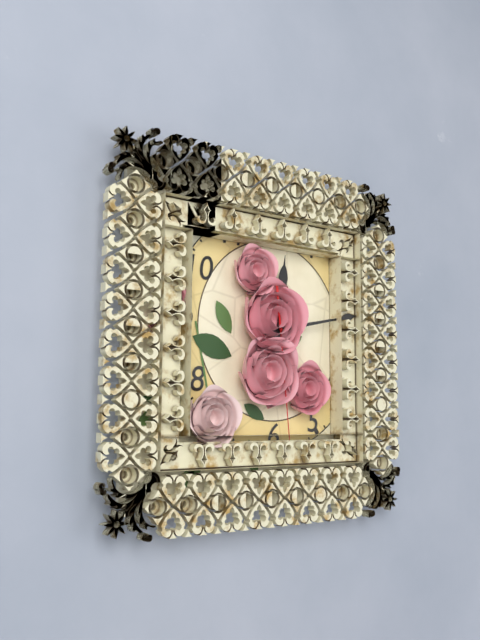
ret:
{"hour": 12, "minute": 13, "second": 29}
